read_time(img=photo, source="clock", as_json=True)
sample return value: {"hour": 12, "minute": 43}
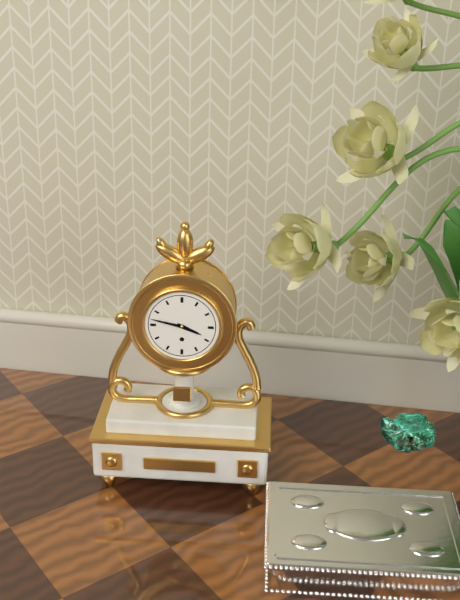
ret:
{"hour": 3, "minute": 47}
